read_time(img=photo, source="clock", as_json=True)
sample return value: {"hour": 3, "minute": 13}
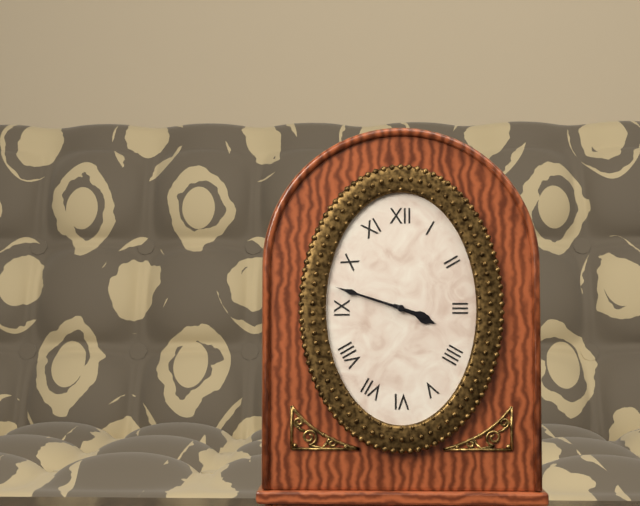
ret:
{"hour": 3, "minute": 48}
